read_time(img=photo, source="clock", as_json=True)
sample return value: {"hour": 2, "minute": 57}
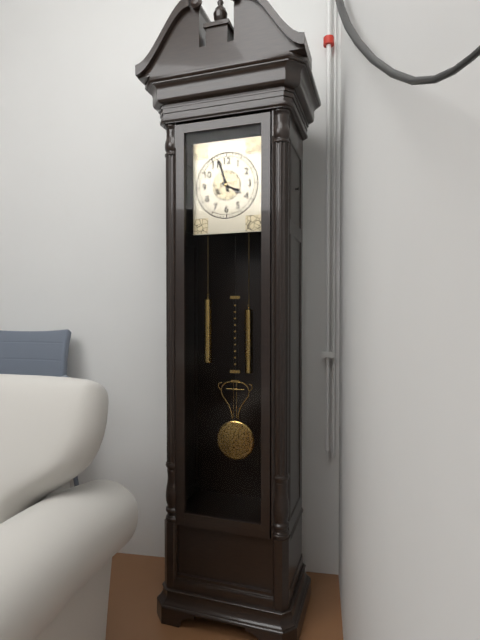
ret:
{"hour": 3, "minute": 57}
